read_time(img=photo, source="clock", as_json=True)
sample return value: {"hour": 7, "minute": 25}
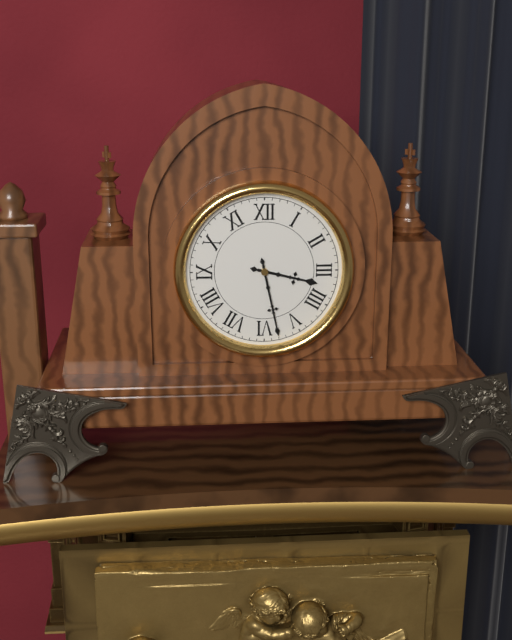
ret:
{"hour": 3, "minute": 28}
